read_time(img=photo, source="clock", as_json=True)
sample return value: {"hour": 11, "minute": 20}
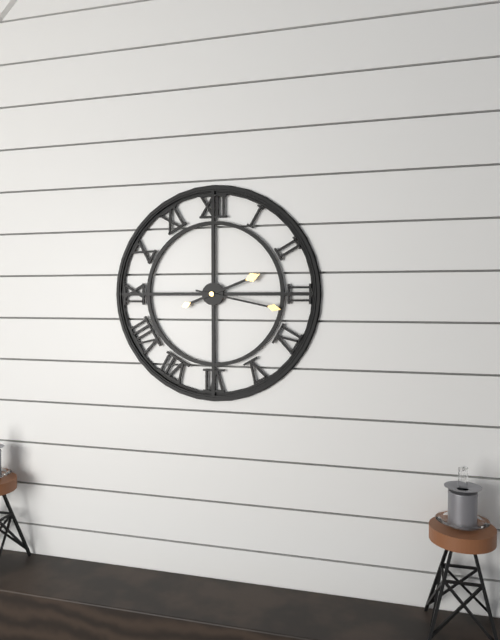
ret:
{"hour": 2, "minute": 17}
